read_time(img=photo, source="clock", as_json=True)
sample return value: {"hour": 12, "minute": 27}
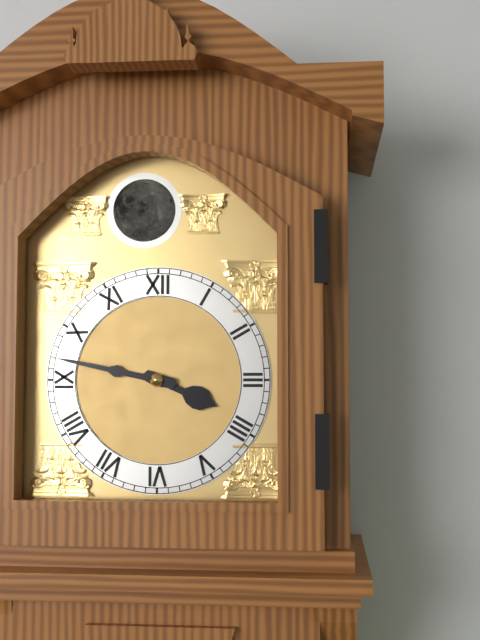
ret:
{"hour": 3, "minute": 47}
